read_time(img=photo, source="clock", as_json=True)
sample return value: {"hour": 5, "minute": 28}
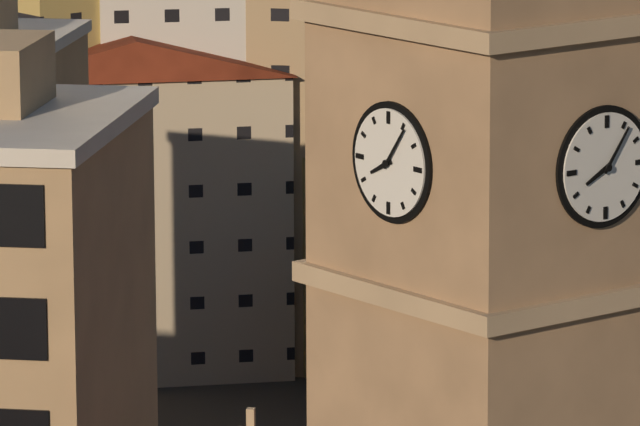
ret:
{"hour": 8, "minute": 6}
